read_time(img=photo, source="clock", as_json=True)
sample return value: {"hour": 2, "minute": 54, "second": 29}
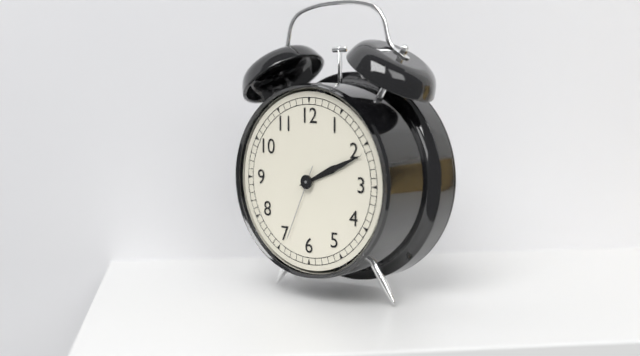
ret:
{"hour": 2, "minute": 11, "second": 34}
